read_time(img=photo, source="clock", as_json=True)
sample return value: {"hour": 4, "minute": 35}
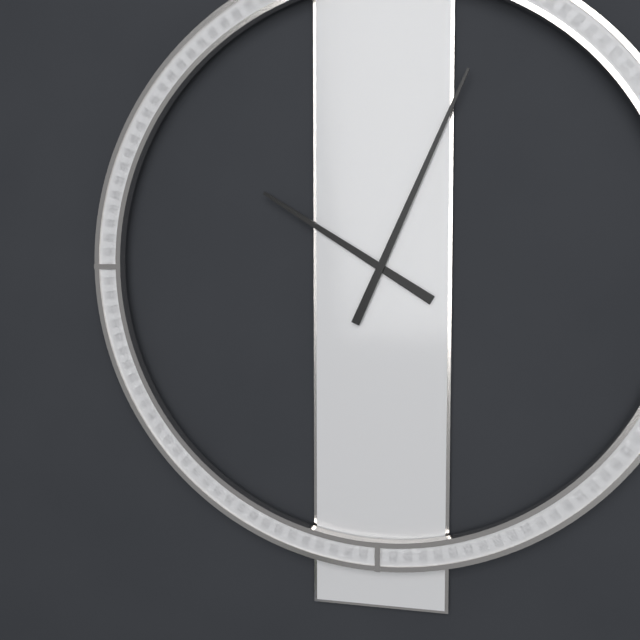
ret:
{"hour": 10, "minute": 4}
